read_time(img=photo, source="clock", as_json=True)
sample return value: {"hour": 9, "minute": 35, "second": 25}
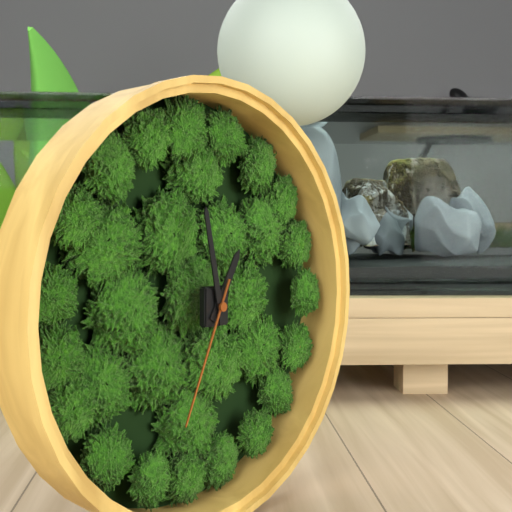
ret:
{"hour": 12, "minute": 58, "second": 34}
